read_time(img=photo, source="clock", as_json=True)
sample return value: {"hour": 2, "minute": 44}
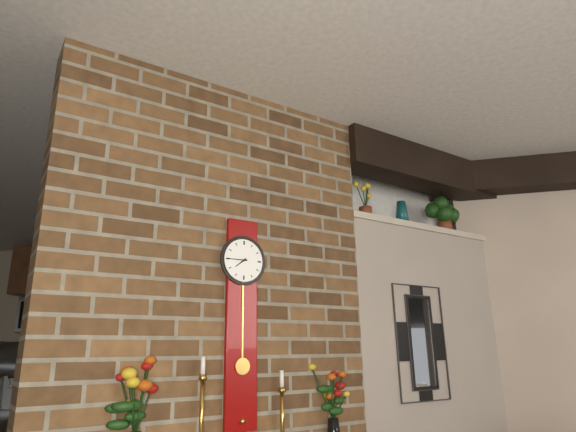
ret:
{"hour": 7, "minute": 45}
